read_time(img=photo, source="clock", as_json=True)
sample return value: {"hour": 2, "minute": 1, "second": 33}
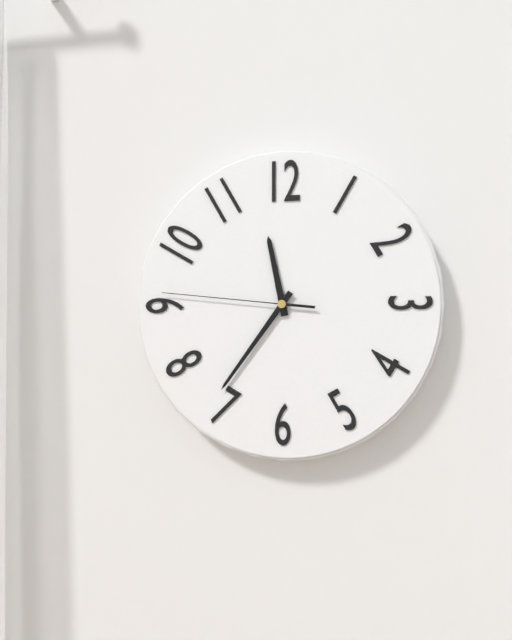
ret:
{"hour": 11, "minute": 36, "second": 46}
